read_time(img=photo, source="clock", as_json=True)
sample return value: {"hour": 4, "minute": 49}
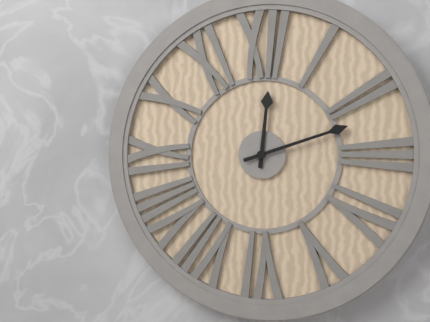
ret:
{"hour": 12, "minute": 12}
